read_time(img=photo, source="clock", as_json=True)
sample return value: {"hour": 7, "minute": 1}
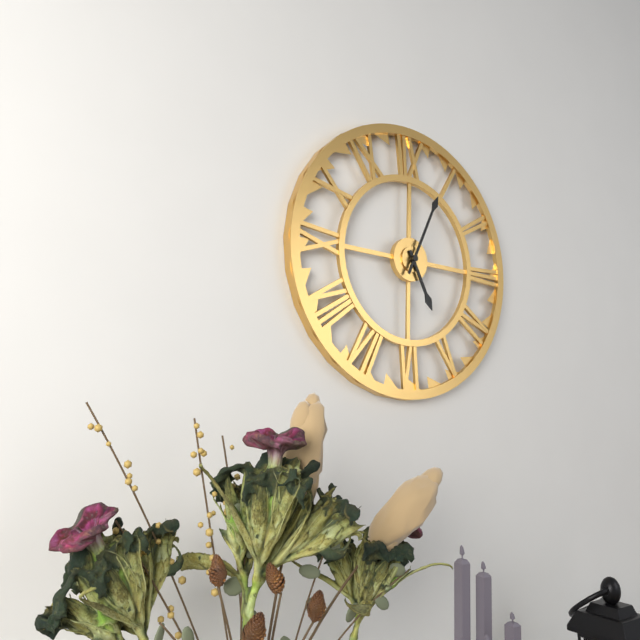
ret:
{"hour": 5, "minute": 4}
